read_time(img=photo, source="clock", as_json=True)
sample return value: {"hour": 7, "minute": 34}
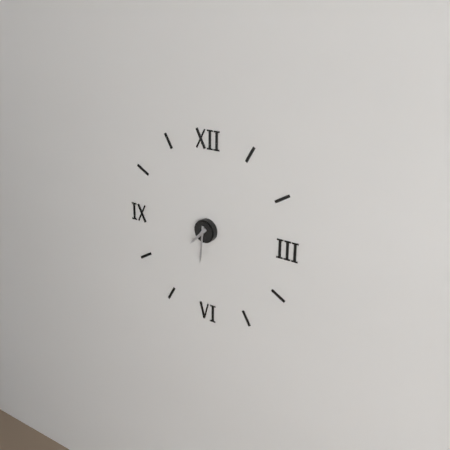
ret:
{"hour": 7, "minute": 31}
